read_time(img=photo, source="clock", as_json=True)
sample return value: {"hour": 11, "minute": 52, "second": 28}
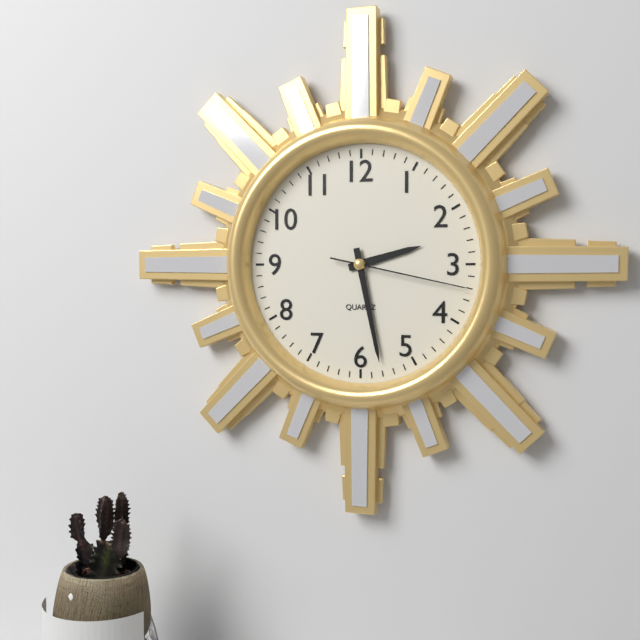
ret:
{"hour": 2, "minute": 28, "second": 17}
